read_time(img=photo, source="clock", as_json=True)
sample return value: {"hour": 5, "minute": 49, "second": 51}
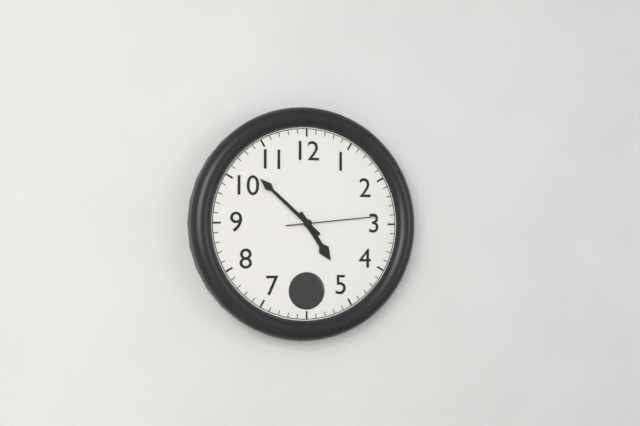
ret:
{"hour": 4, "minute": 52, "second": 14}
